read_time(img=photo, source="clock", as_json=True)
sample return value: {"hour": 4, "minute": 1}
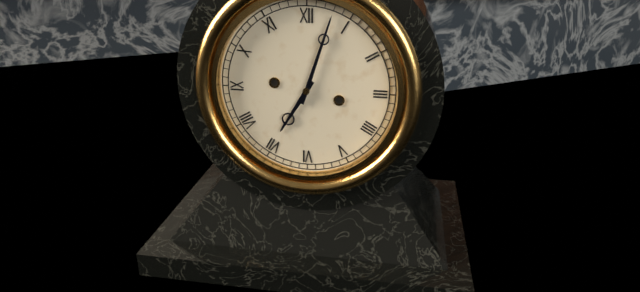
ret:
{"hour": 7, "minute": 3}
